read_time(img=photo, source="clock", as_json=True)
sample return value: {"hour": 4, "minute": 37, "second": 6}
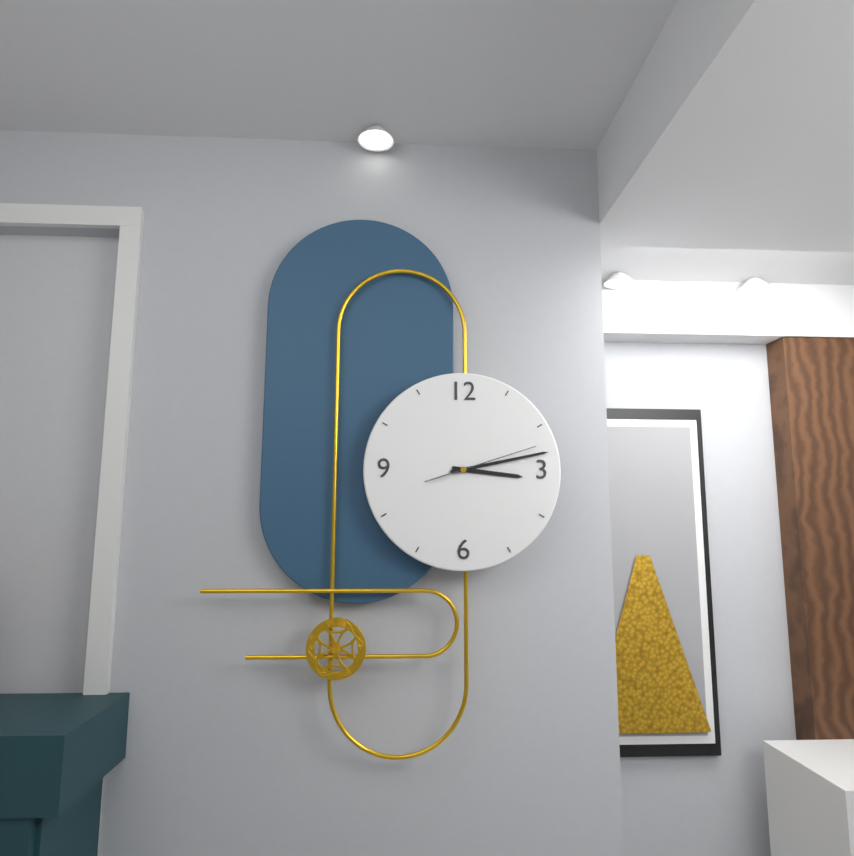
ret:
{"hour": 3, "minute": 13, "second": 12}
